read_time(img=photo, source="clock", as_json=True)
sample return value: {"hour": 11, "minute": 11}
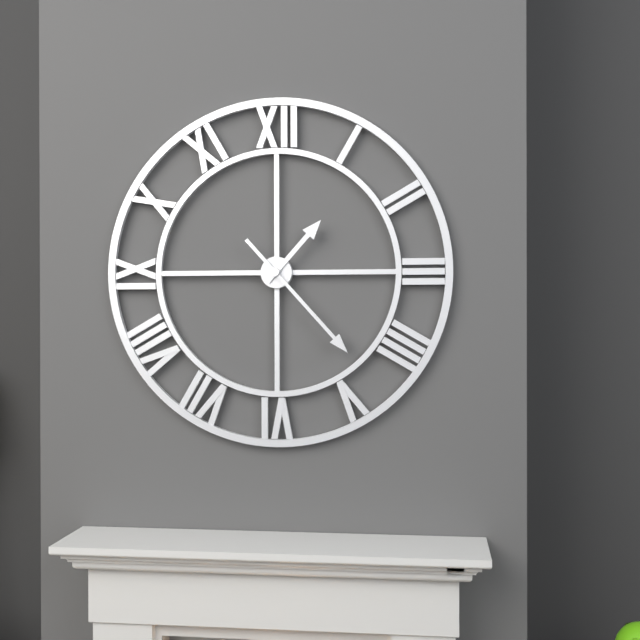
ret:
{"hour": 1, "minute": 23}
